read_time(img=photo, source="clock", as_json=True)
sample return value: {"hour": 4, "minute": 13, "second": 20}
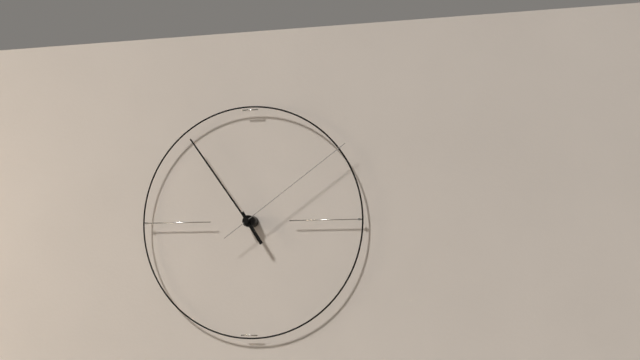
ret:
{"hour": 4, "minute": 54, "second": 9}
